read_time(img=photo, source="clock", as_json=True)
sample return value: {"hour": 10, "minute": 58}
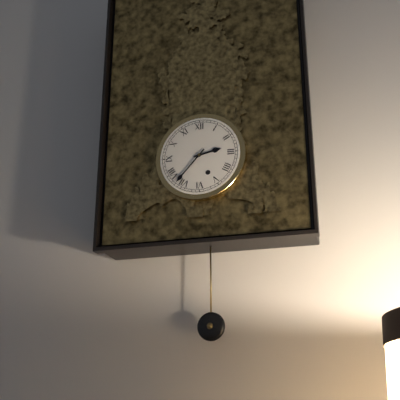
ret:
{"hour": 2, "minute": 37}
